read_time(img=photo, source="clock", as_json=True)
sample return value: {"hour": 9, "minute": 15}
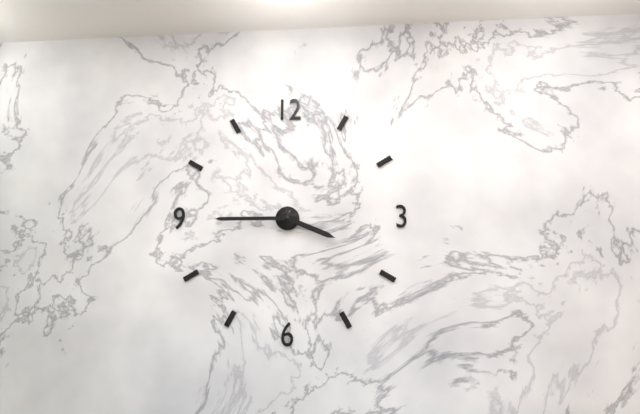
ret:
{"hour": 3, "minute": 45}
